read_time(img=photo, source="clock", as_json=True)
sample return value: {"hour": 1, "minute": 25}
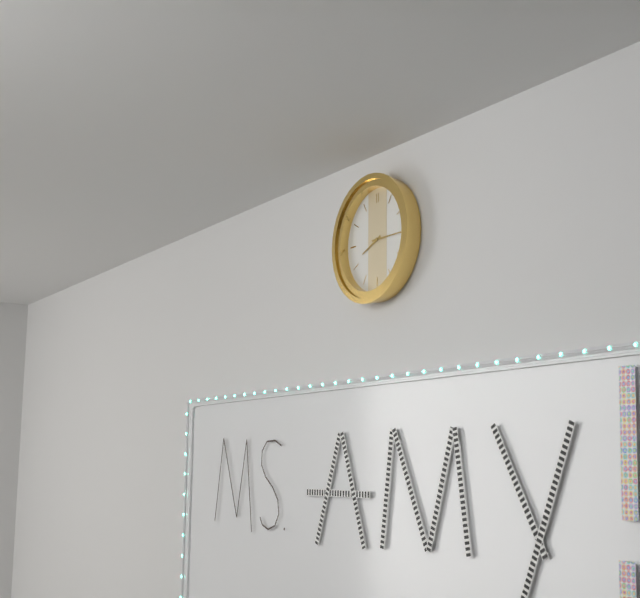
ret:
{"hour": 8, "minute": 15}
